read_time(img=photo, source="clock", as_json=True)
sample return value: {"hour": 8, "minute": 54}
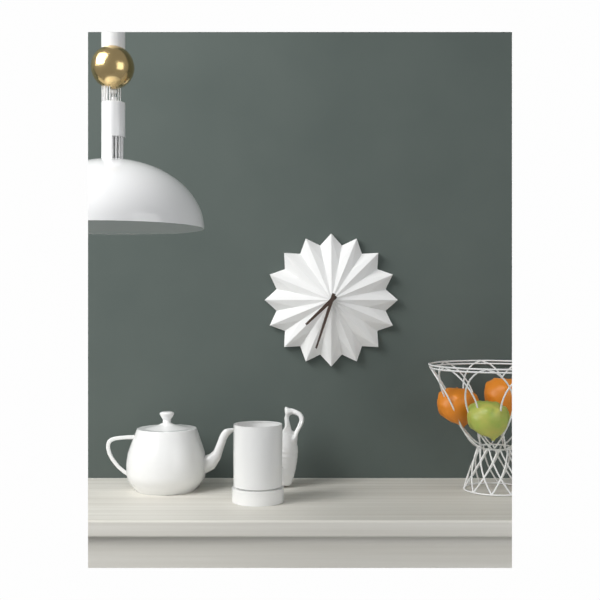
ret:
{"hour": 7, "minute": 33}
